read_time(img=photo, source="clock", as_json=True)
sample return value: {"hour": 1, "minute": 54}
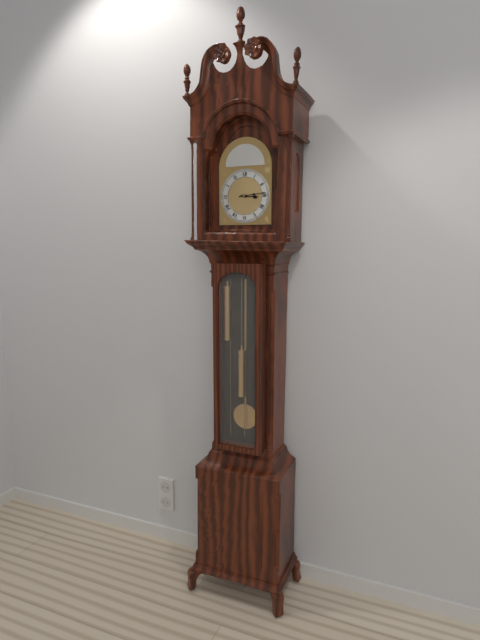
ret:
{"hour": 3, "minute": 14}
